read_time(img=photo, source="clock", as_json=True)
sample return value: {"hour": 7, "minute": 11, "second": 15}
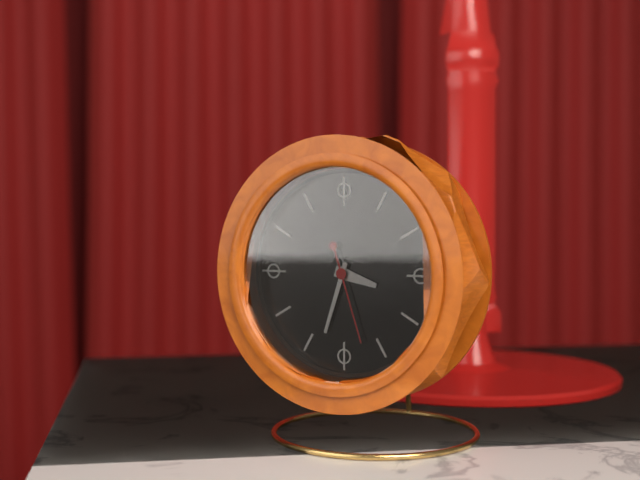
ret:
{"hour": 3, "minute": 33, "second": 27}
